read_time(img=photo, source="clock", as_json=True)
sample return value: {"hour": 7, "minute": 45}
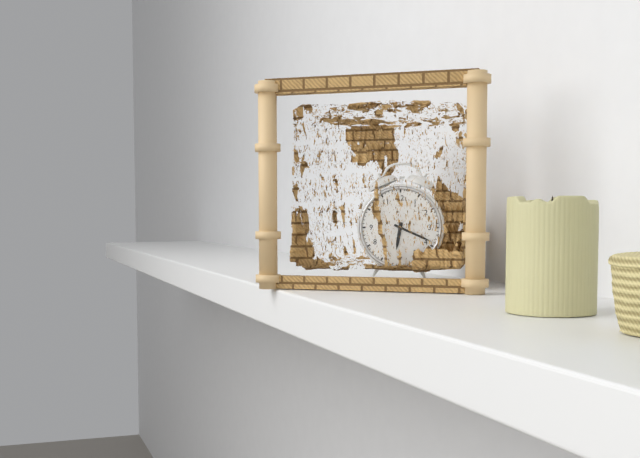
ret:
{"hour": 6, "minute": 19}
